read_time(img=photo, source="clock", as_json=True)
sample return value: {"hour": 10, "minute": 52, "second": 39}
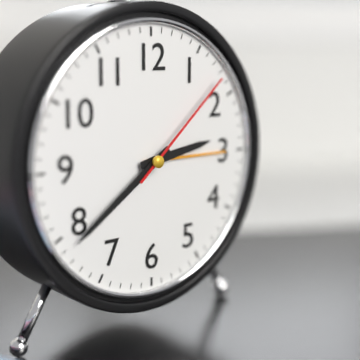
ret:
{"hour": 2, "minute": 39, "second": 8}
